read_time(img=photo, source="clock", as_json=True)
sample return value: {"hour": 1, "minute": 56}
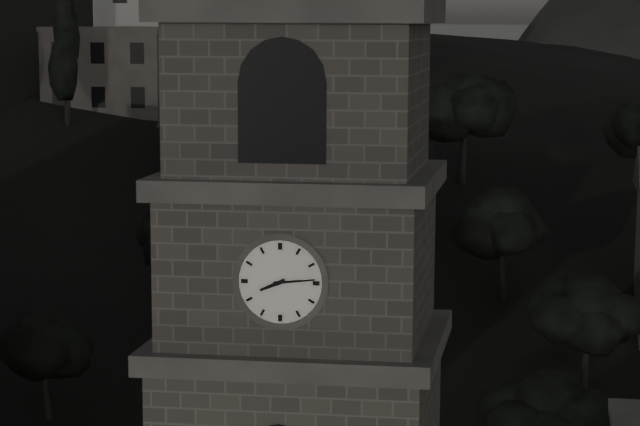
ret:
{"hour": 8, "minute": 14}
